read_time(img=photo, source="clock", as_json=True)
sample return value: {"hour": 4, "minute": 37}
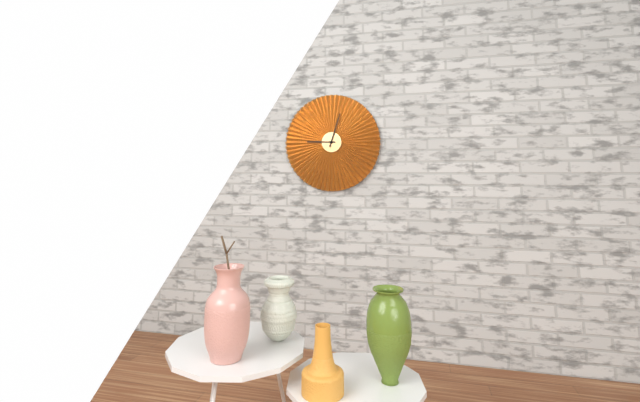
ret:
{"hour": 9, "minute": 3}
